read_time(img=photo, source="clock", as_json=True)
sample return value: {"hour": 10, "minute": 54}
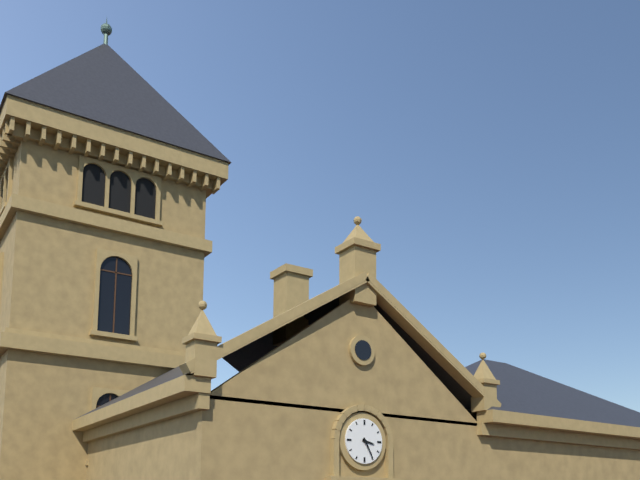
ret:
{"hour": 3, "minute": 25}
